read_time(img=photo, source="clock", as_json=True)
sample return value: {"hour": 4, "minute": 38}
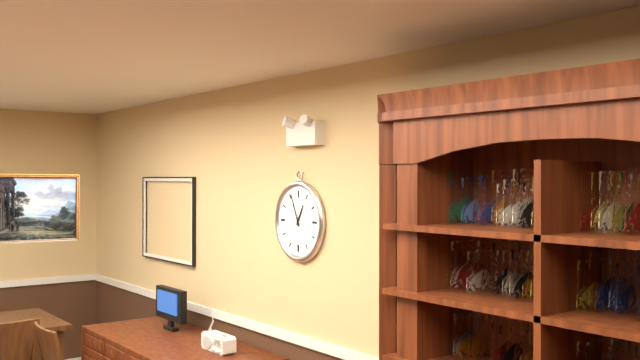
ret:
{"hour": 12, "minute": 56}
